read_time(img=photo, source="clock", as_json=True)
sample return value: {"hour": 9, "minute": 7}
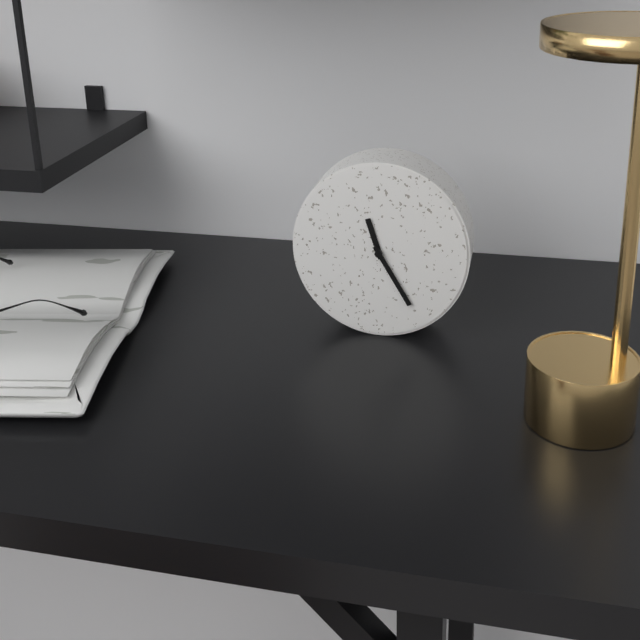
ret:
{"hour": 11, "minute": 25}
